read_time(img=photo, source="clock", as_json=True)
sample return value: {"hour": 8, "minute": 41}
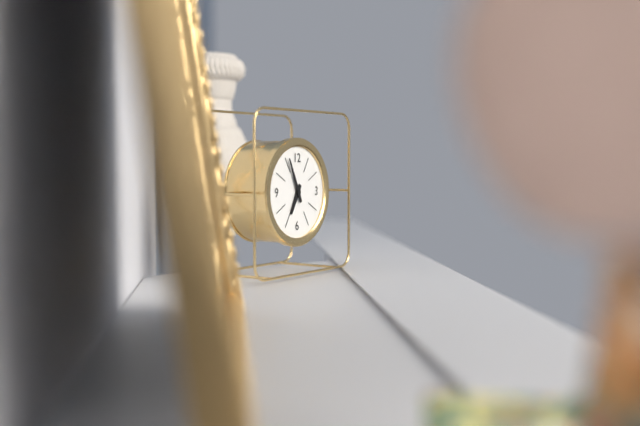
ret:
{"hour": 6, "minute": 56}
